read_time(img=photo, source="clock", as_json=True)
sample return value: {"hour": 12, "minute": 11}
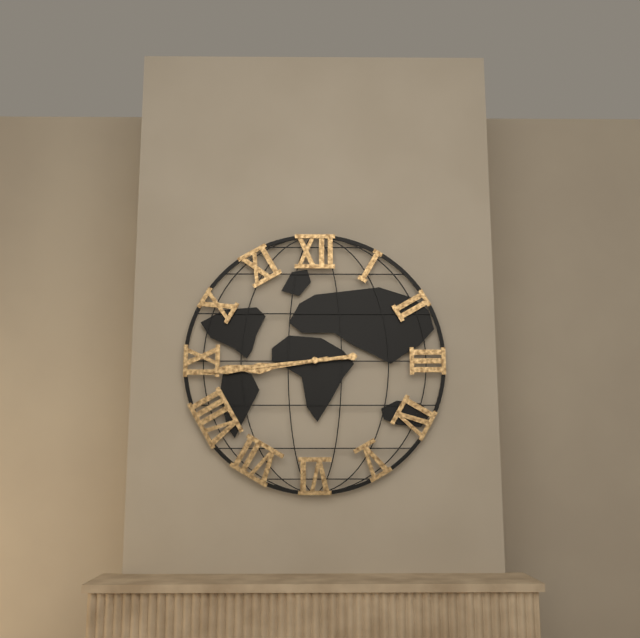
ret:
{"hour": 8, "minute": 44}
